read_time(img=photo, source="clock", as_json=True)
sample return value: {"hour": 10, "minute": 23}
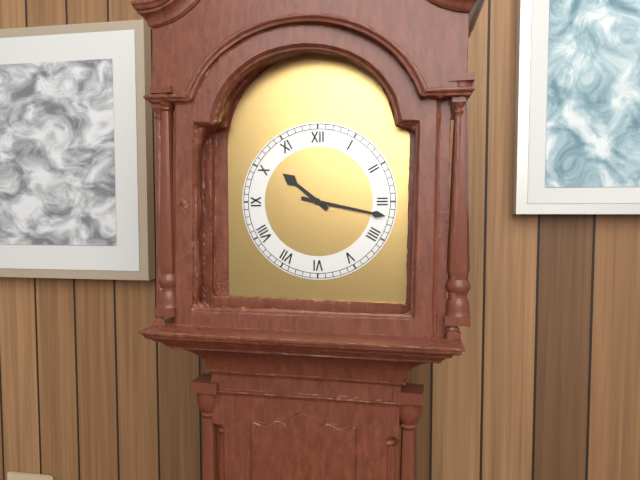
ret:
{"hour": 10, "minute": 17}
